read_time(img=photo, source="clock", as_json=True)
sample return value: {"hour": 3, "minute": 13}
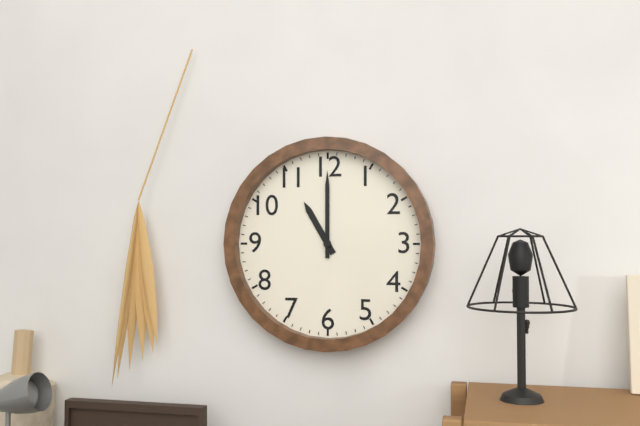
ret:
{"hour": 11, "minute": 0}
